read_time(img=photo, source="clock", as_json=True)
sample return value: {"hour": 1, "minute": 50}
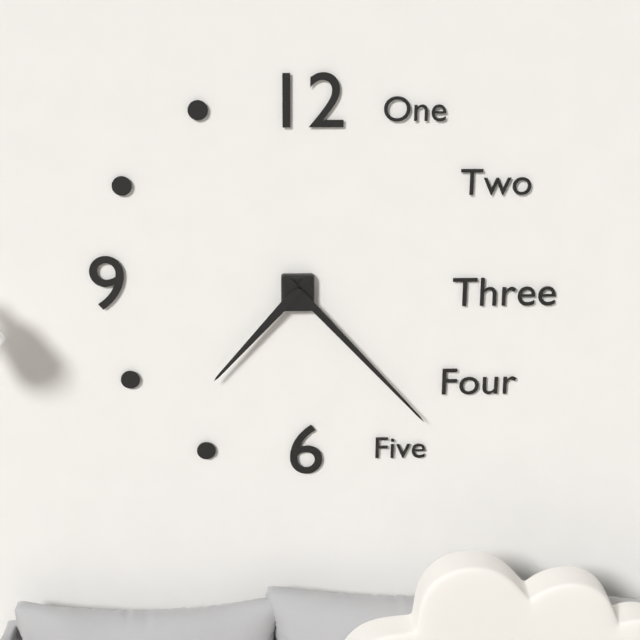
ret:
{"hour": 7, "minute": 23}
